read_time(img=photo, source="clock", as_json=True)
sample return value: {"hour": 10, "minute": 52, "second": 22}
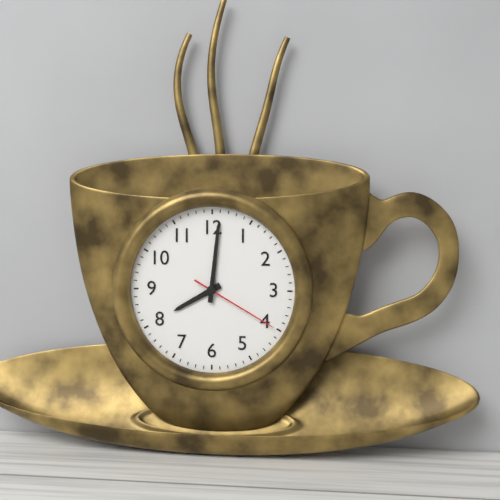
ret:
{"hour": 8, "minute": 1, "second": 20}
